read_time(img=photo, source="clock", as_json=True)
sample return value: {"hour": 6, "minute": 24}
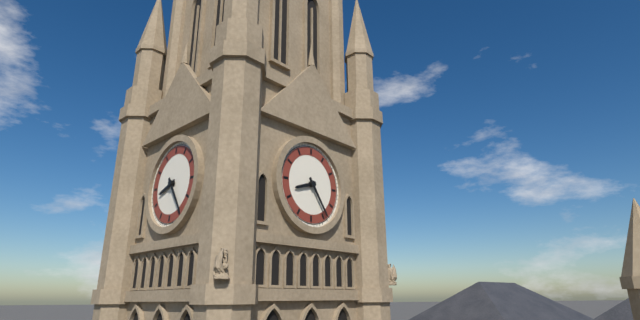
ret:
{"hour": 8, "minute": 24}
